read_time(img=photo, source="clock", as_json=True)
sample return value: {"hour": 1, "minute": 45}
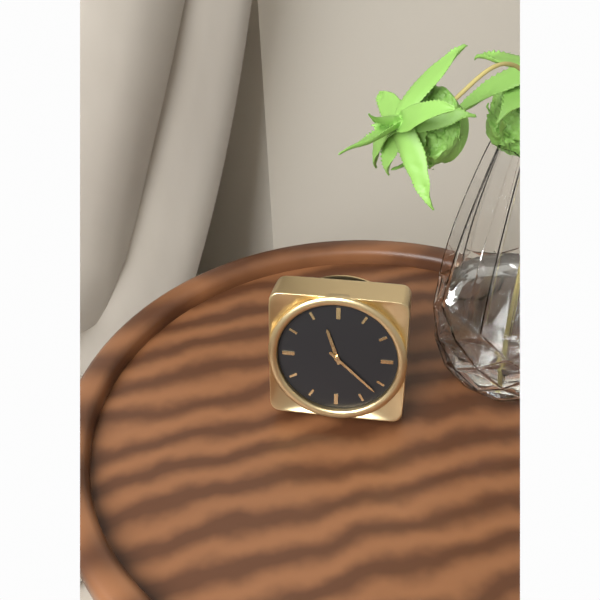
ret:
{"hour": 11, "minute": 22}
